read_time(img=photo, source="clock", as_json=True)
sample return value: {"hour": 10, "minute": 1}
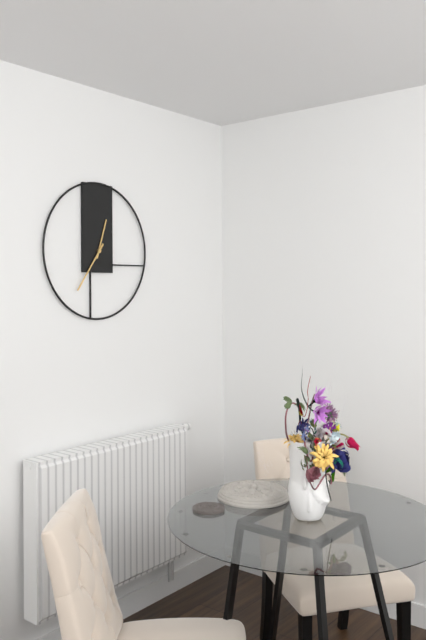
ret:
{"hour": 12, "minute": 36}
